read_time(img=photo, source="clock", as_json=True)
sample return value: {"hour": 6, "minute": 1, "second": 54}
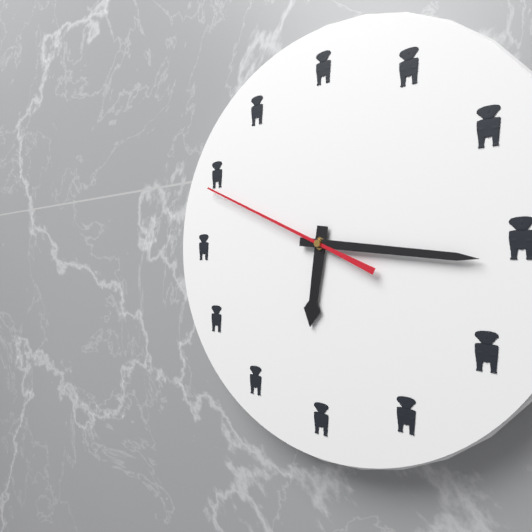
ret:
{"hour": 6, "minute": 16, "second": 49}
